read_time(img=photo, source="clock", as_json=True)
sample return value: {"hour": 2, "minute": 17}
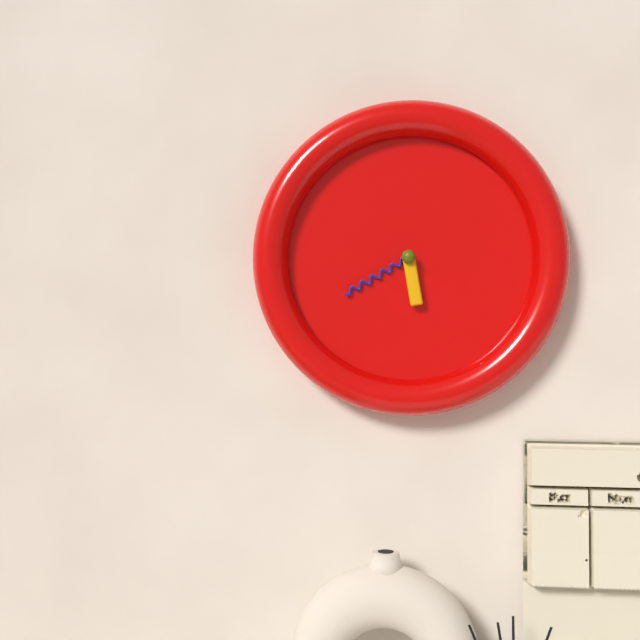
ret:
{"hour": 5, "minute": 40}
